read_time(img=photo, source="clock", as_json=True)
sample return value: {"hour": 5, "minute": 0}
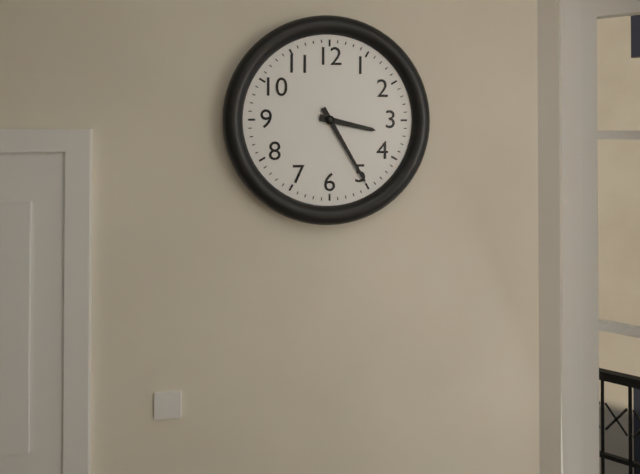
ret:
{"hour": 3, "minute": 25}
